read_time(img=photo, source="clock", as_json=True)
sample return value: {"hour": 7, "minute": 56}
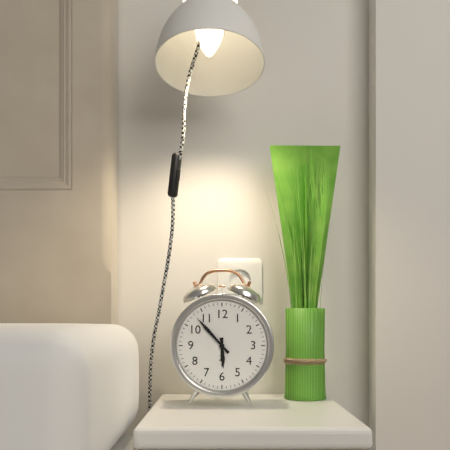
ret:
{"hour": 5, "minute": 53}
